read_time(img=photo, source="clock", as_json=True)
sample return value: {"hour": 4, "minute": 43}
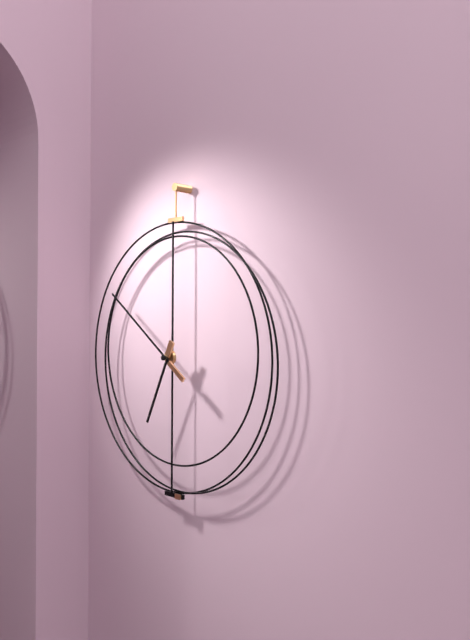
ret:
{"hour": 6, "minute": 51}
